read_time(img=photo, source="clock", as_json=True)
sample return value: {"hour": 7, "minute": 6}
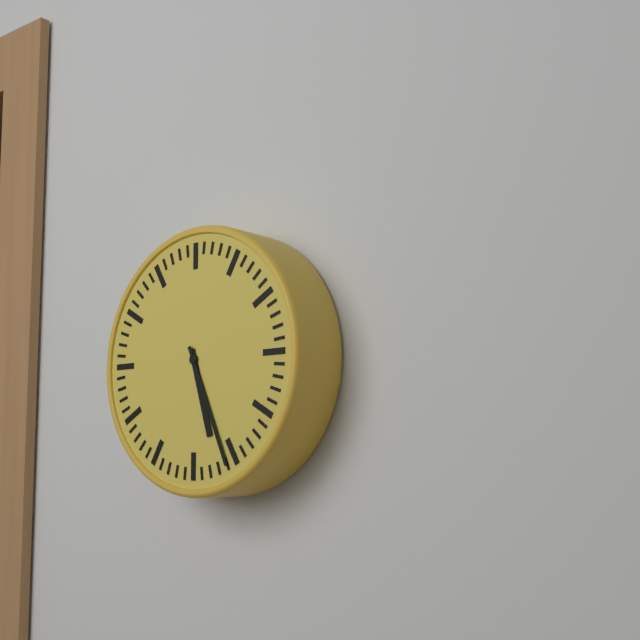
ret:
{"hour": 5, "minute": 26}
